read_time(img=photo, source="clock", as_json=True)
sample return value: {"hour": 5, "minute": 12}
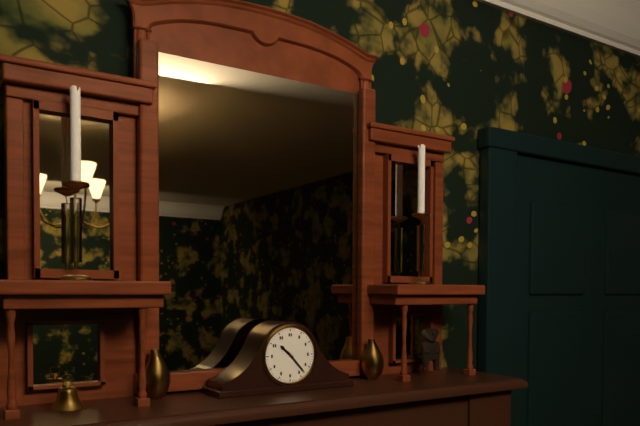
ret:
{"hour": 10, "minute": 23}
